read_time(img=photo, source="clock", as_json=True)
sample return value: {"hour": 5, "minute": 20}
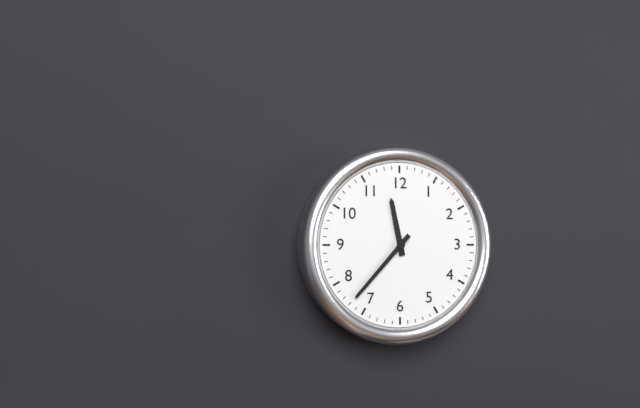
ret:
{"hour": 11, "minute": 37}
